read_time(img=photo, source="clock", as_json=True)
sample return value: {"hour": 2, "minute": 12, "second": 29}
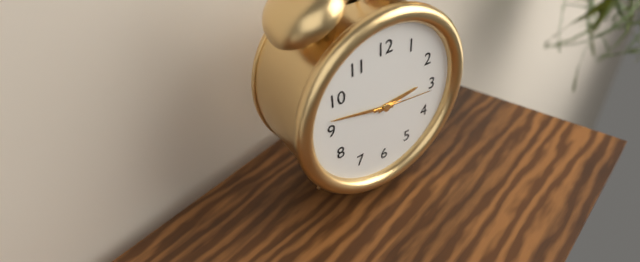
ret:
{"hour": 2, "minute": 47, "second": 16}
